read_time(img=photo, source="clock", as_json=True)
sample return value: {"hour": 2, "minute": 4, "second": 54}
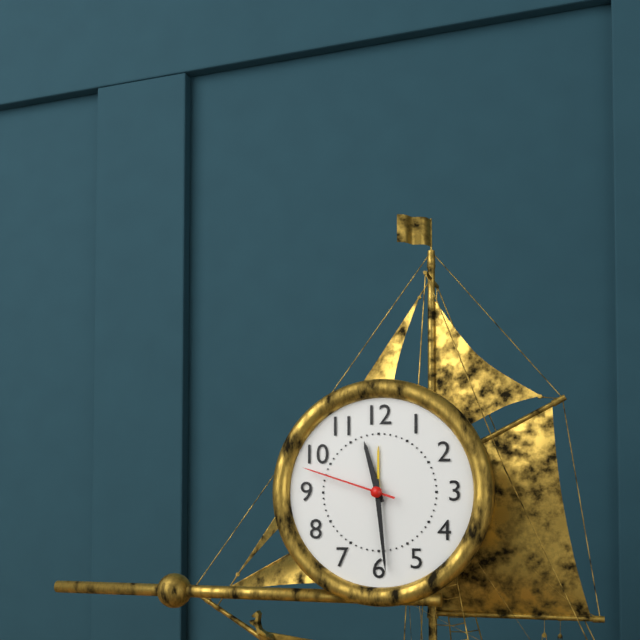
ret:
{"hour": 11, "minute": 29, "second": 48}
